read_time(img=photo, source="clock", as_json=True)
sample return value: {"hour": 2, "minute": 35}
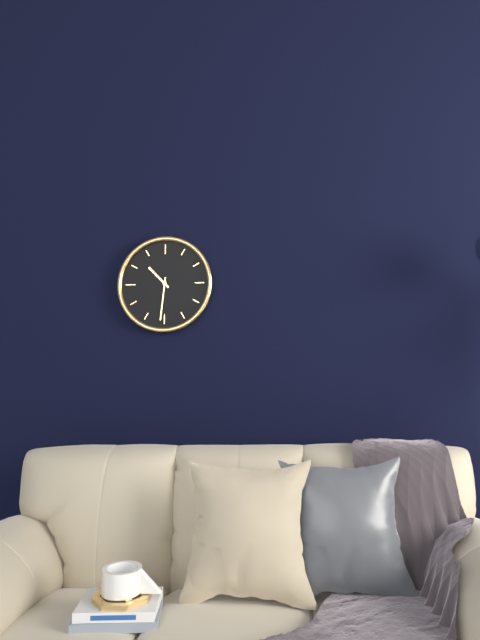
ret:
{"hour": 10, "minute": 31}
